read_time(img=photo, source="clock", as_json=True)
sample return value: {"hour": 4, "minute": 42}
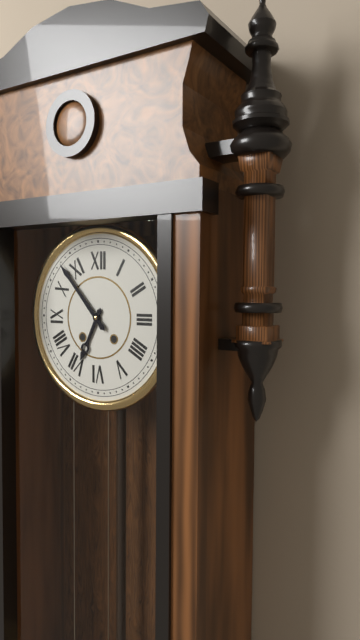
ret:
{"hour": 6, "minute": 53}
